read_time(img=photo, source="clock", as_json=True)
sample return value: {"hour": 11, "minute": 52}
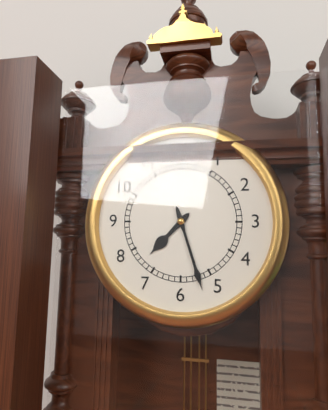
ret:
{"hour": 7, "minute": 27}
